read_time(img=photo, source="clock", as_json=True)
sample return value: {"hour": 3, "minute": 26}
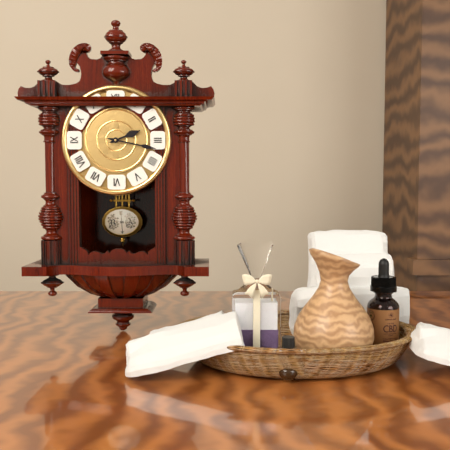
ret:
{"hour": 2, "minute": 17}
